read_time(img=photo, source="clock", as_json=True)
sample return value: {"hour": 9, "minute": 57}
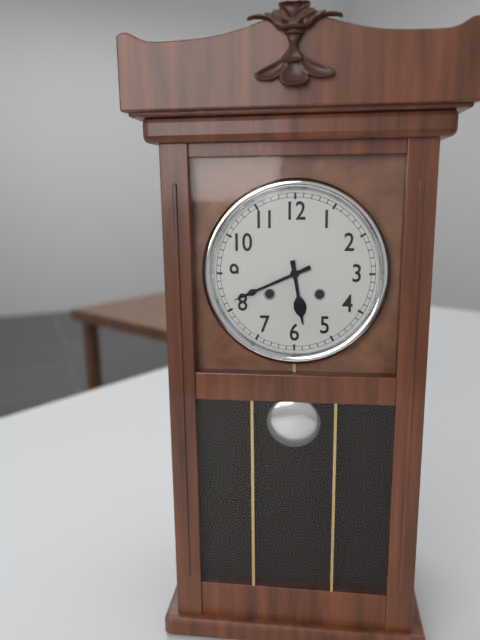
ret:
{"hour": 5, "minute": 41}
